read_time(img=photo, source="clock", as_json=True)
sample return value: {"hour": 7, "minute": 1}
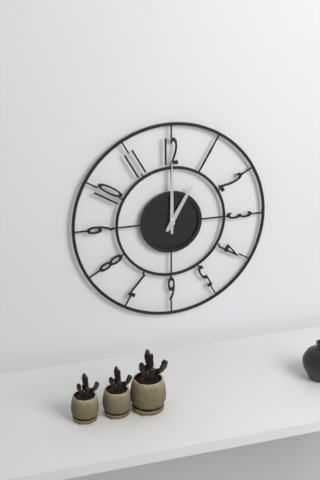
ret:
{"hour": 1, "minute": 0}
